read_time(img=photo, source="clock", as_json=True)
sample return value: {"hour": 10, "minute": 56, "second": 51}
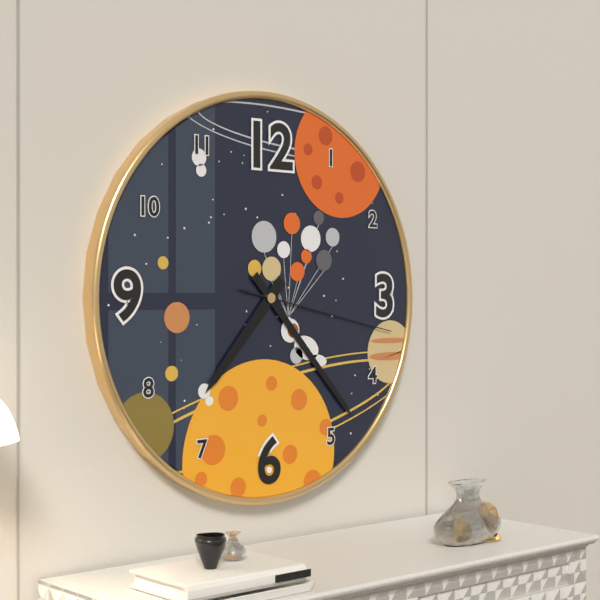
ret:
{"hour": 7, "minute": 23, "second": 17}
